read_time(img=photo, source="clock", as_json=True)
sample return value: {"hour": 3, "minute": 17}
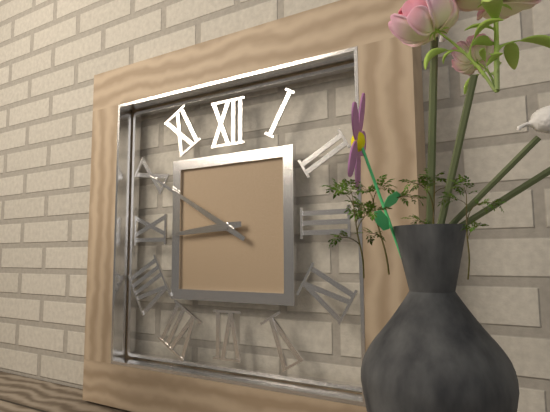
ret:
{"hour": 8, "minute": 50}
